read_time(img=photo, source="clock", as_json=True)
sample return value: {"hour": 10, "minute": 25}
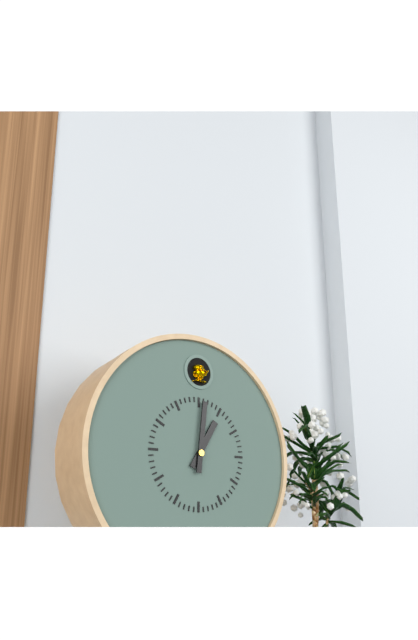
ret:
{"hour": 1, "minute": 1}
